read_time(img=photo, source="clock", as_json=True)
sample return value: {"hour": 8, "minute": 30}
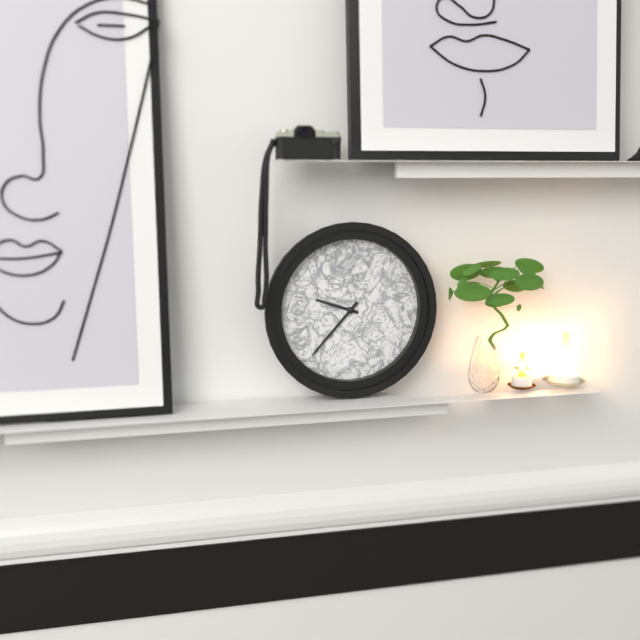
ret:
{"hour": 9, "minute": 37}
